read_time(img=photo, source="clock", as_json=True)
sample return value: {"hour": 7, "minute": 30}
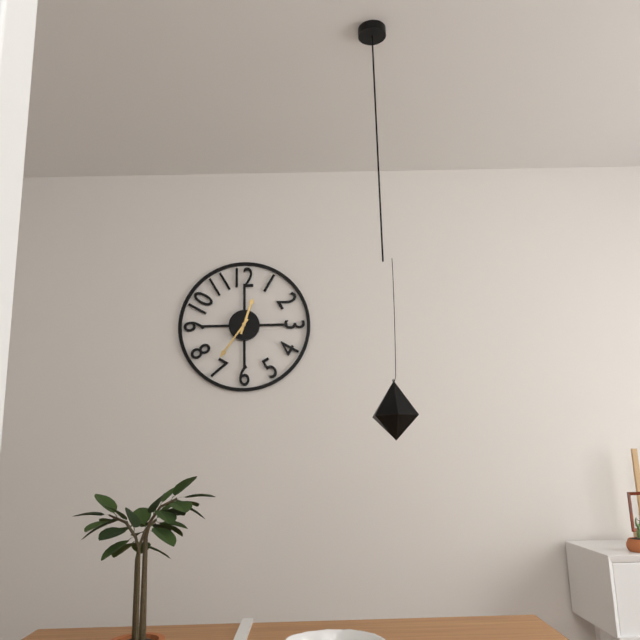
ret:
{"hour": 12, "minute": 36}
